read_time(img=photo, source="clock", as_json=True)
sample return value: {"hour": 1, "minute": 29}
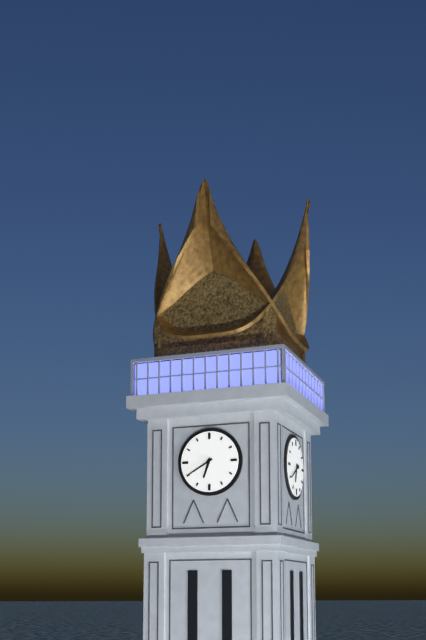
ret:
{"hour": 6, "minute": 40}
